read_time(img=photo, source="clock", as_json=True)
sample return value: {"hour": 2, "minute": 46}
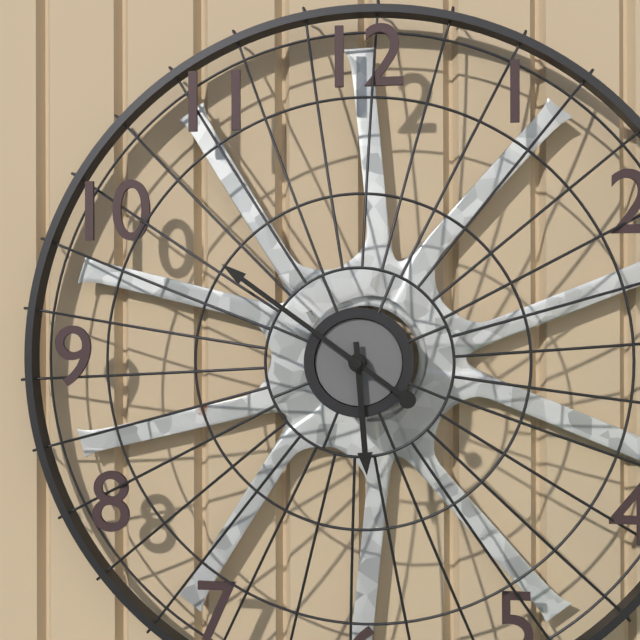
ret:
{"hour": 5, "minute": 51}
